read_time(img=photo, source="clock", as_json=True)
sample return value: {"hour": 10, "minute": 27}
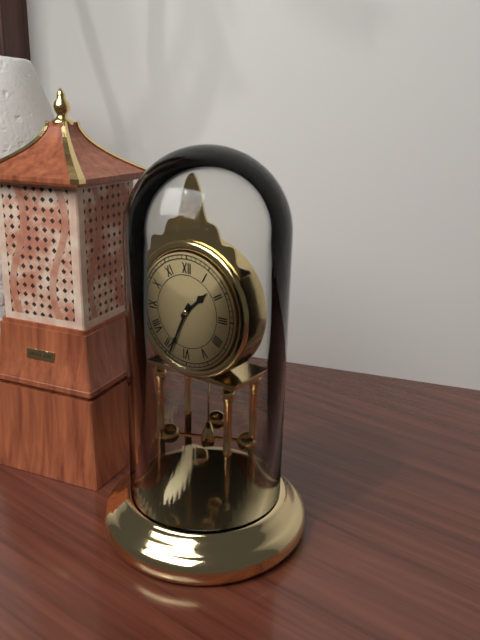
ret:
{"hour": 1, "minute": 34}
